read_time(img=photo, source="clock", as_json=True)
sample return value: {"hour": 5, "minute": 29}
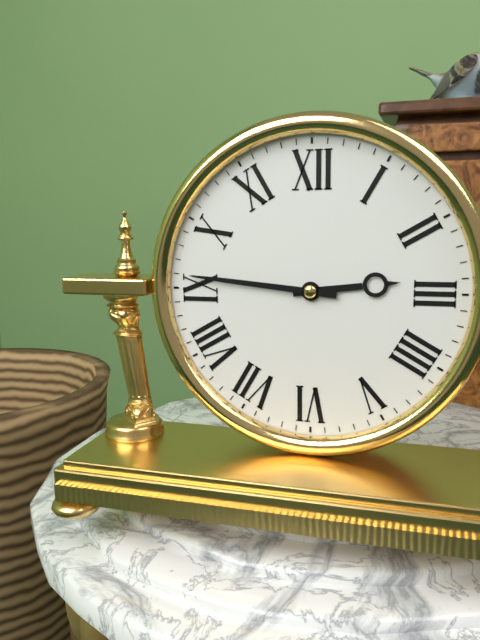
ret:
{"hour": 2, "minute": 46}
